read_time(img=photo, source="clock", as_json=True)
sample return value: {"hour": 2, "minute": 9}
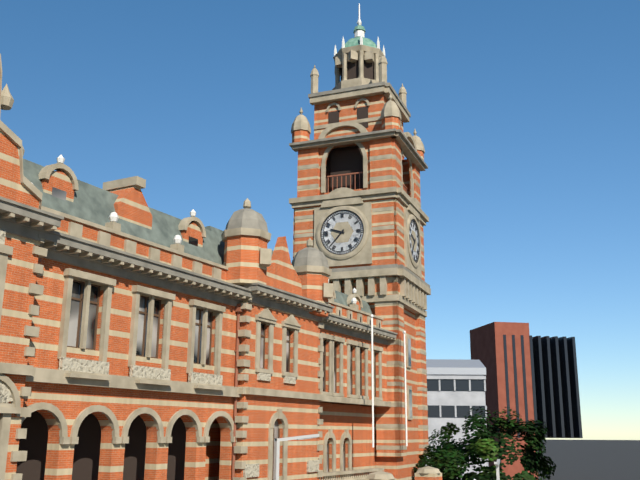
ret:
{"hour": 9, "minute": 37}
